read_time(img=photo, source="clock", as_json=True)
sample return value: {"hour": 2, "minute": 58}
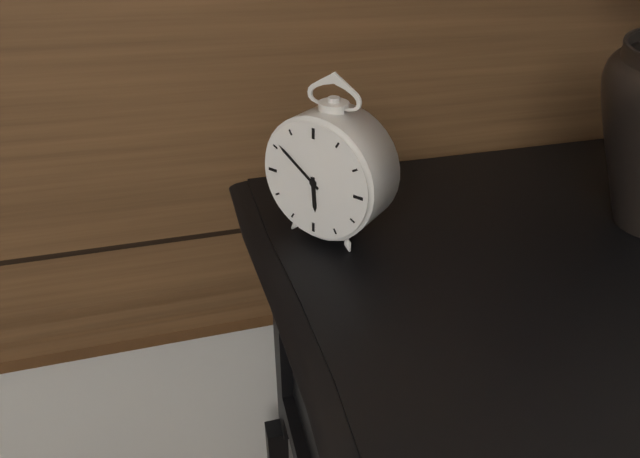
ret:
{"hour": 5, "minute": 51}
